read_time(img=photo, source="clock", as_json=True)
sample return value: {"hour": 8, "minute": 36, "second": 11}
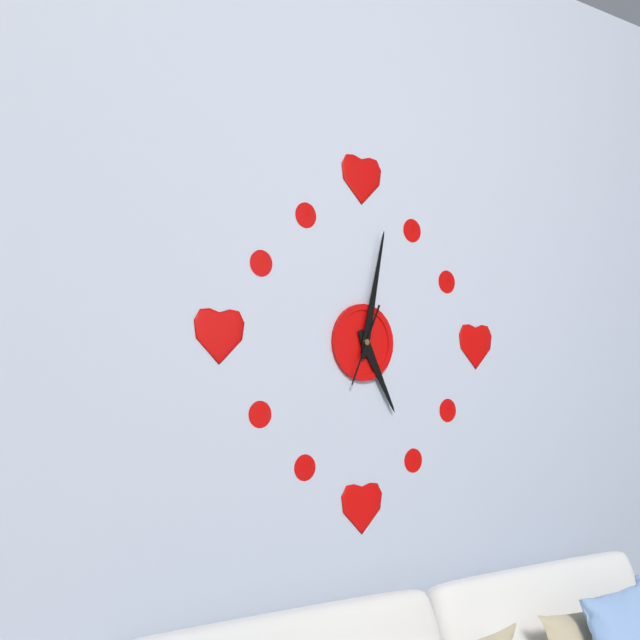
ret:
{"hour": 5, "minute": 2, "second": 34}
